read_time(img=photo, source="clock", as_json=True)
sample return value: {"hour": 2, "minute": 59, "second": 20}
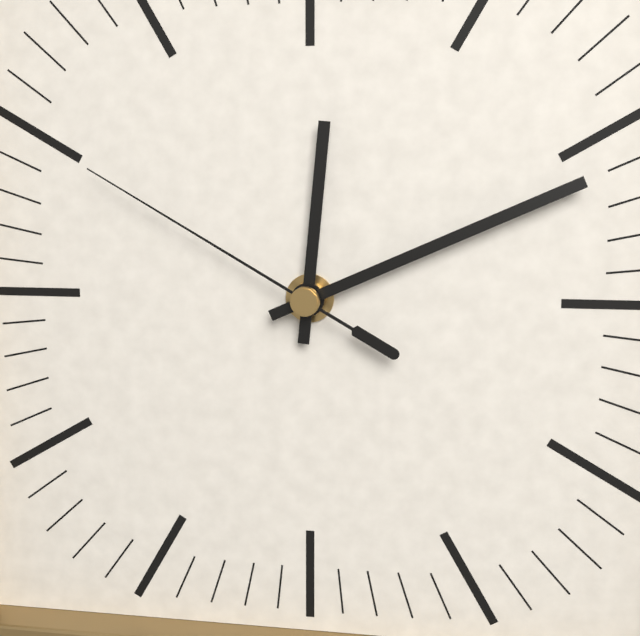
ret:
{"hour": 12, "minute": 11, "second": 50}
